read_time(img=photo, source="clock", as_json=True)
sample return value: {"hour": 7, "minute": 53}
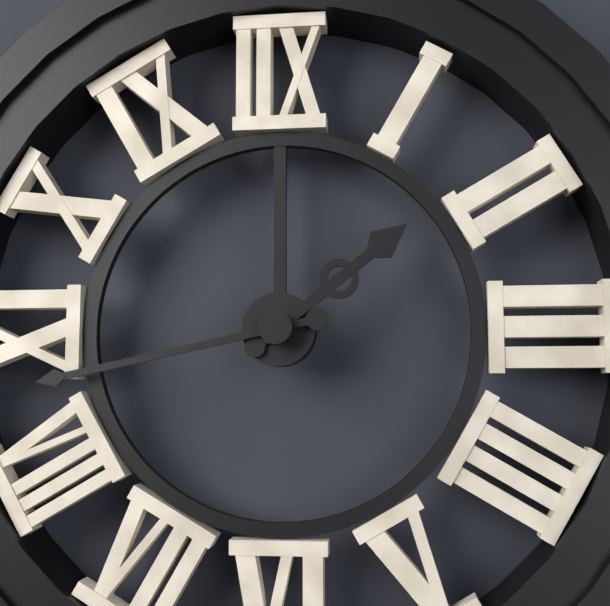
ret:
{"hour": 1, "minute": 43}
